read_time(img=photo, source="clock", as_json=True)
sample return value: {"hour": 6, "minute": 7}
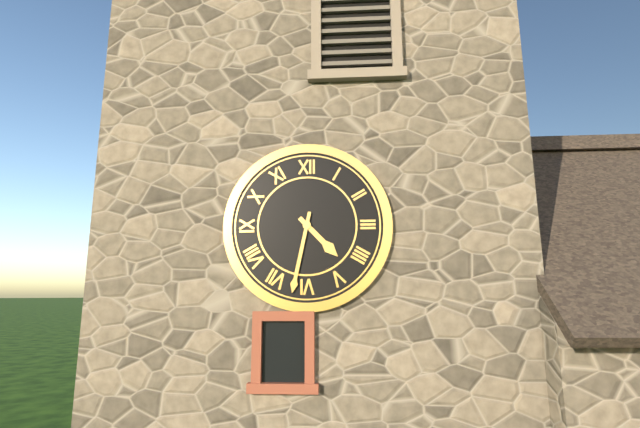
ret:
{"hour": 4, "minute": 32}
